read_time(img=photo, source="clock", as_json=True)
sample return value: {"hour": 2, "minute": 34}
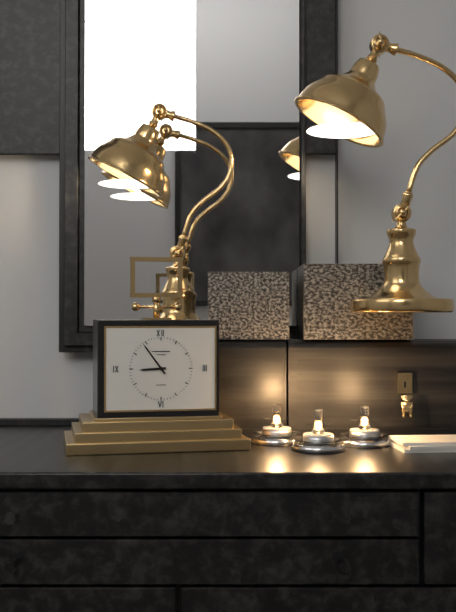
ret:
{"hour": 8, "minute": 54}
